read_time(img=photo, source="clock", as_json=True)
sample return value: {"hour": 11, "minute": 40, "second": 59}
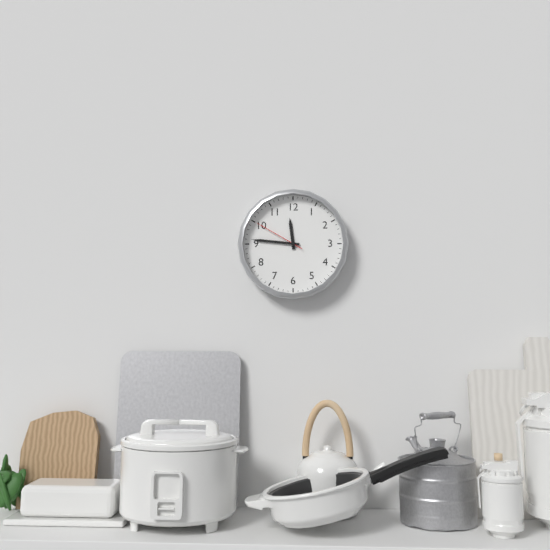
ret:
{"hour": 11, "minute": 46, "second": 50}
